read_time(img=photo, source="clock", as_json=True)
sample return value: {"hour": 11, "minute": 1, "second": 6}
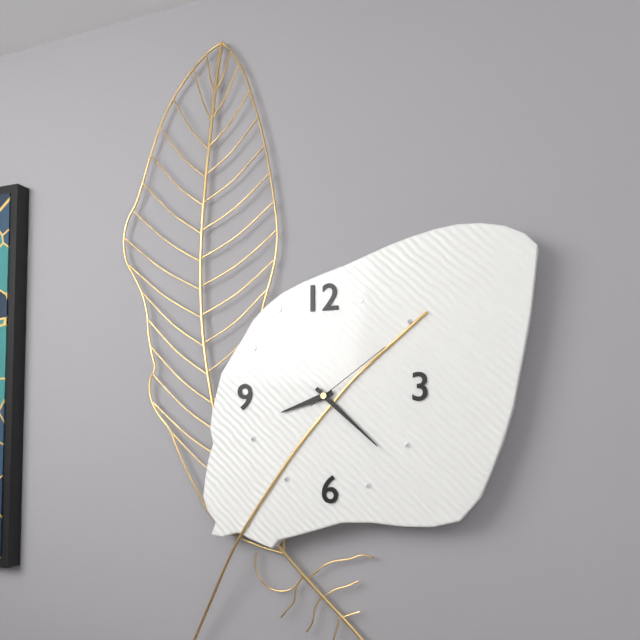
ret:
{"hour": 8, "minute": 22, "second": 9}
